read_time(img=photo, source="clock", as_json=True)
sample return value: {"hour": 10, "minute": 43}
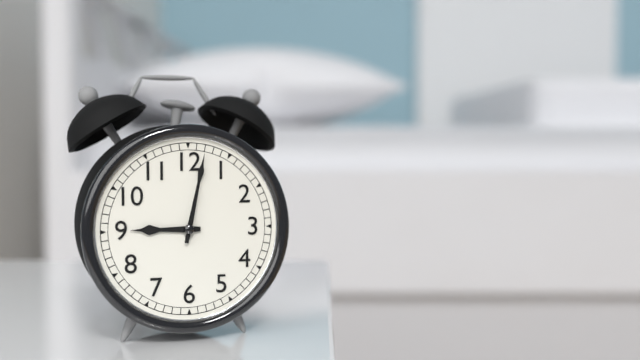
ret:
{"hour": 9, "minute": 2}
